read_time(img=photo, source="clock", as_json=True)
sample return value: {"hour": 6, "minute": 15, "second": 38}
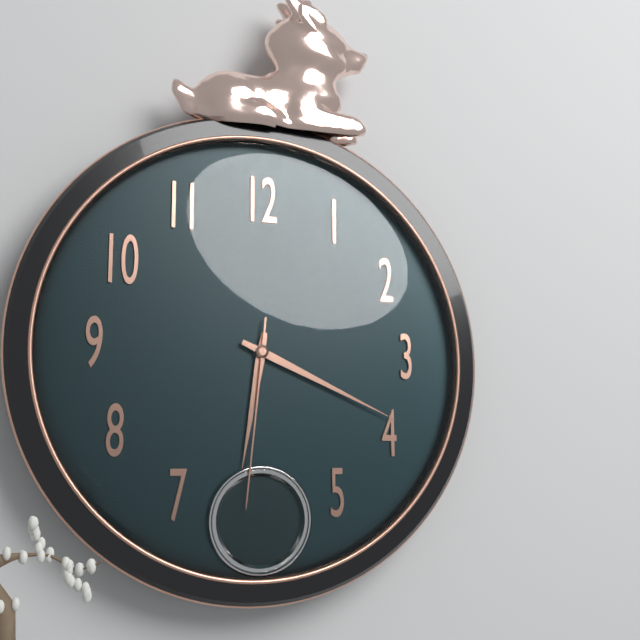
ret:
{"hour": 6, "minute": 19, "second": 31}
